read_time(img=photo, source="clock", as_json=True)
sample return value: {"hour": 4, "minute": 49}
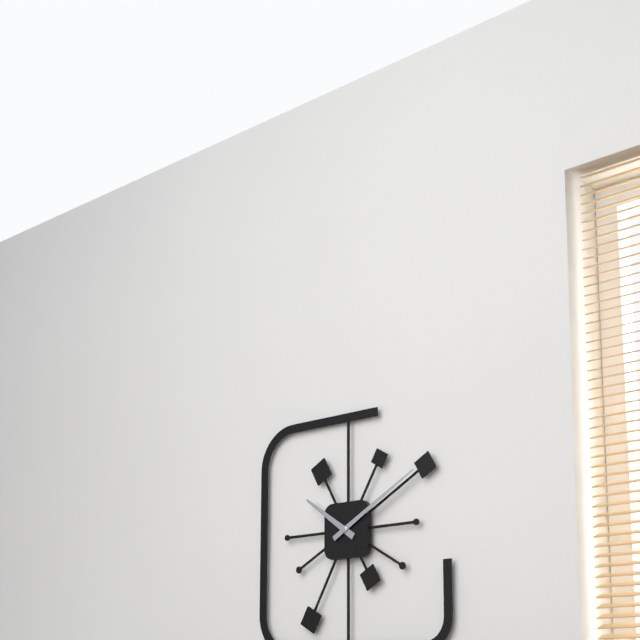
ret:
{"hour": 10, "minute": 10}
